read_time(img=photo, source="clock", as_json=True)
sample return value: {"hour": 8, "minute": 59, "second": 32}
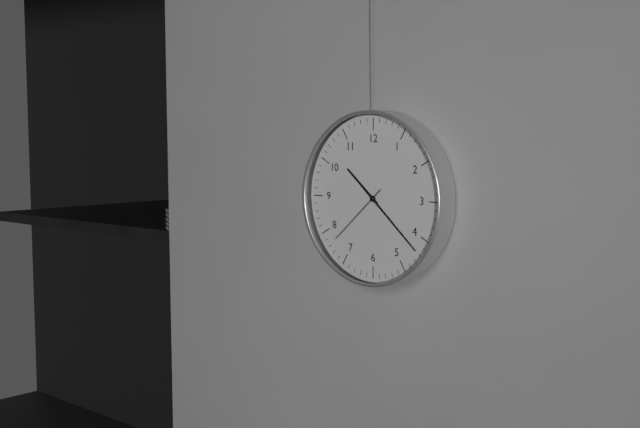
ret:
{"hour": 10, "minute": 22, "second": 38}
